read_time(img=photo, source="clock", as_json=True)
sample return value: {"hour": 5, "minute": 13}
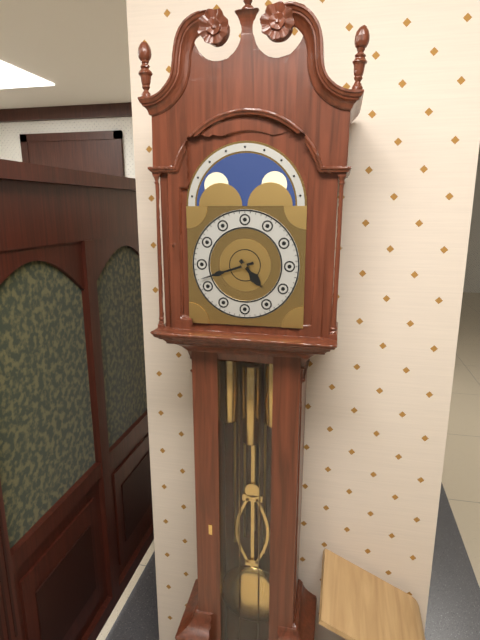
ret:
{"hour": 4, "minute": 42}
